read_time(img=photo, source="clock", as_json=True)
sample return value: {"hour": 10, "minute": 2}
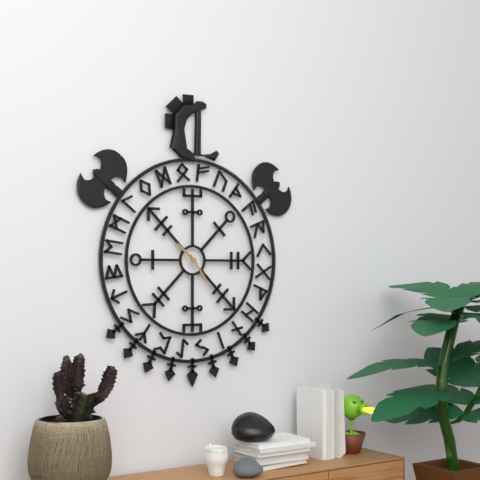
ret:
{"hour": 10, "minute": 24}
